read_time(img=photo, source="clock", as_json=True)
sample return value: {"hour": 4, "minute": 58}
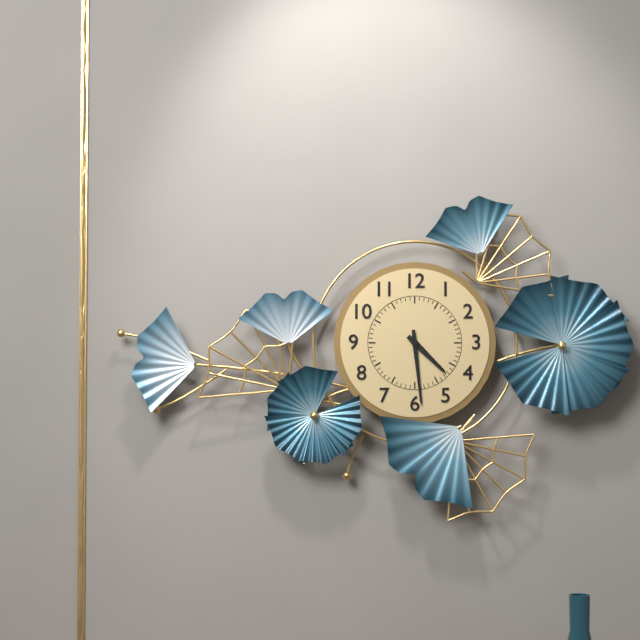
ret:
{"hour": 4, "minute": 29}
